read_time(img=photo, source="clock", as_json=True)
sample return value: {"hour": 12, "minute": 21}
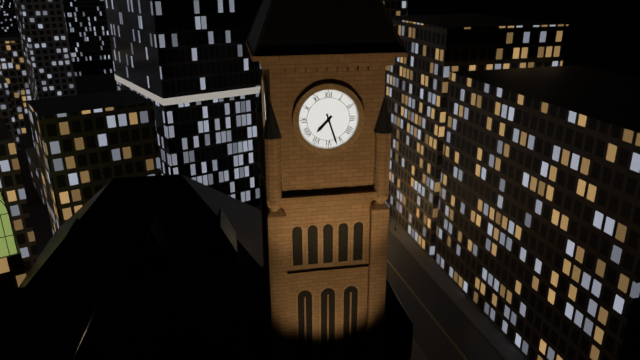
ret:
{"hour": 7, "minute": 27}
